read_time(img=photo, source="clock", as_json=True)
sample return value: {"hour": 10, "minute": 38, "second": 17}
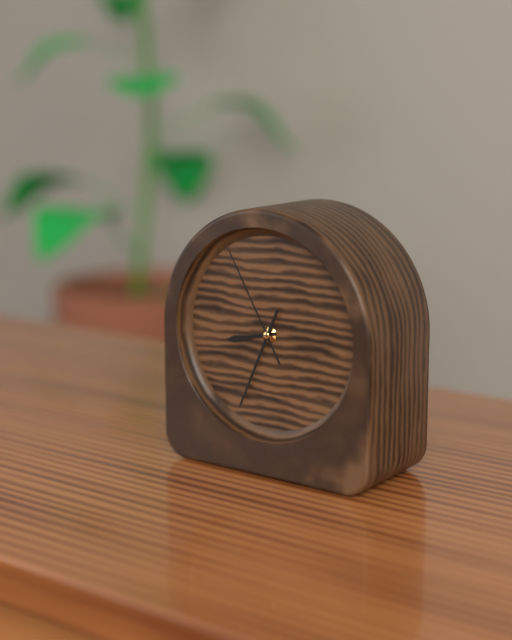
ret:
{"hour": 8, "minute": 34, "second": 55}
